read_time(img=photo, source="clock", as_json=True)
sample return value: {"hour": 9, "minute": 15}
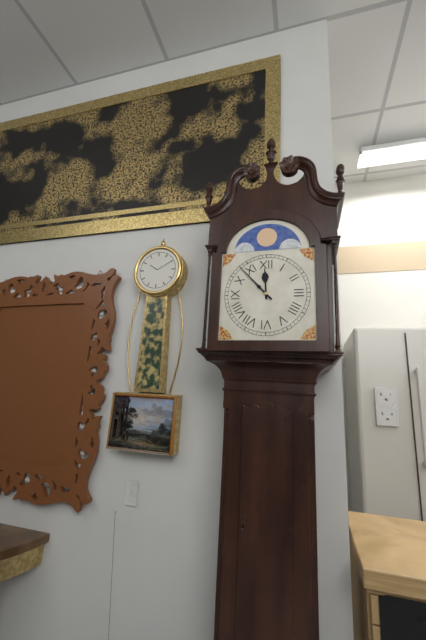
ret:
{"hour": 11, "minute": 53}
